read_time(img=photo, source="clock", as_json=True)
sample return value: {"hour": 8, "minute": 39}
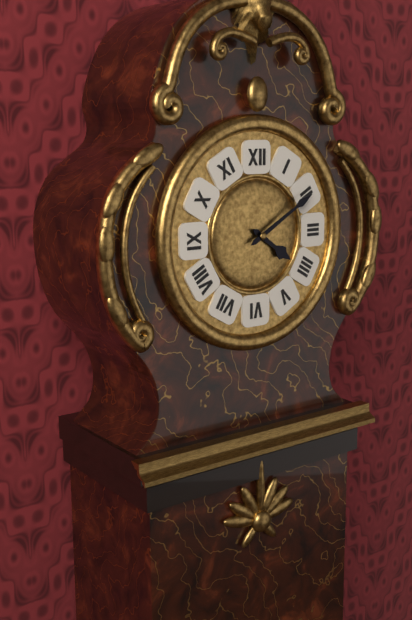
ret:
{"hour": 4, "minute": 10}
